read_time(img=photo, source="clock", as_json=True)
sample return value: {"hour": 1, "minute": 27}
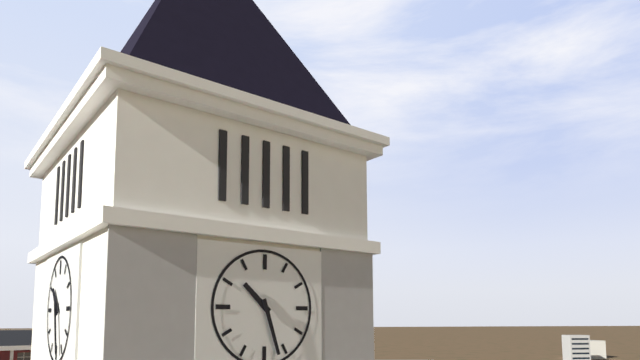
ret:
{"hour": 10, "minute": 27}
